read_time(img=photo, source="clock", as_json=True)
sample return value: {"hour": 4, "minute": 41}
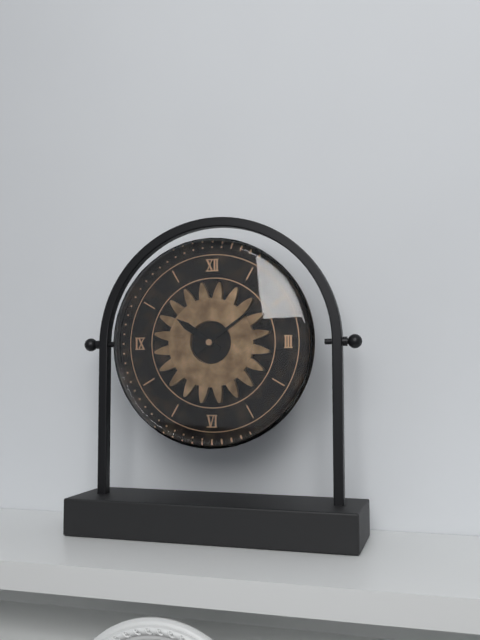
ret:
{"hour": 10, "minute": 9}
